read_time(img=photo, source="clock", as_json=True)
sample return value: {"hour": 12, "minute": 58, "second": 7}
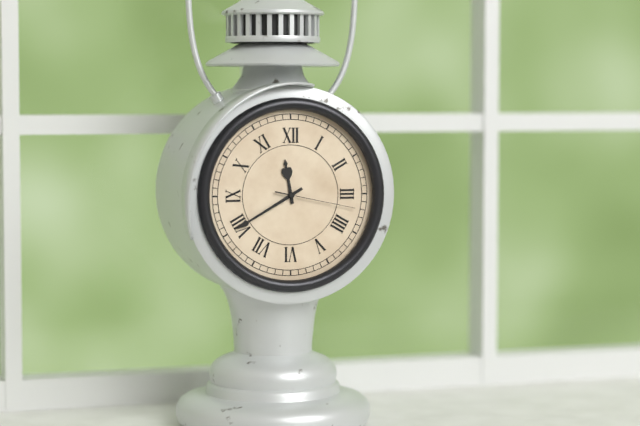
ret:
{"hour": 11, "minute": 40, "second": 17}
